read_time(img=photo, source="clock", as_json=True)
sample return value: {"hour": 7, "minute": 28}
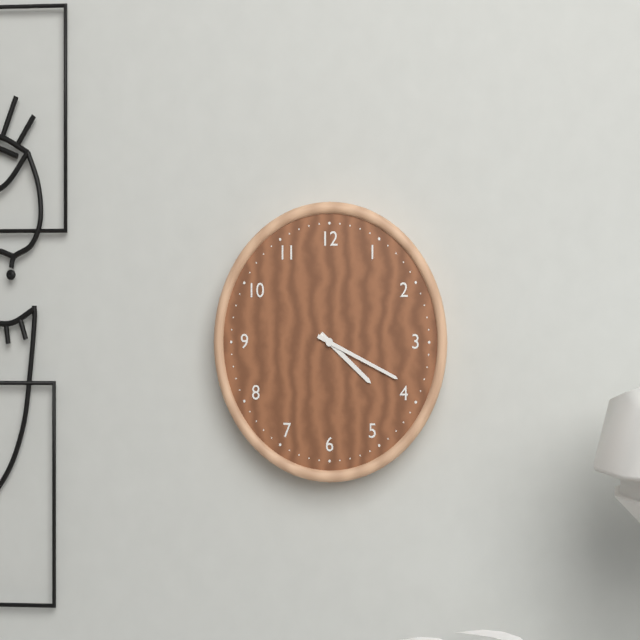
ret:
{"hour": 4, "minute": 19}
